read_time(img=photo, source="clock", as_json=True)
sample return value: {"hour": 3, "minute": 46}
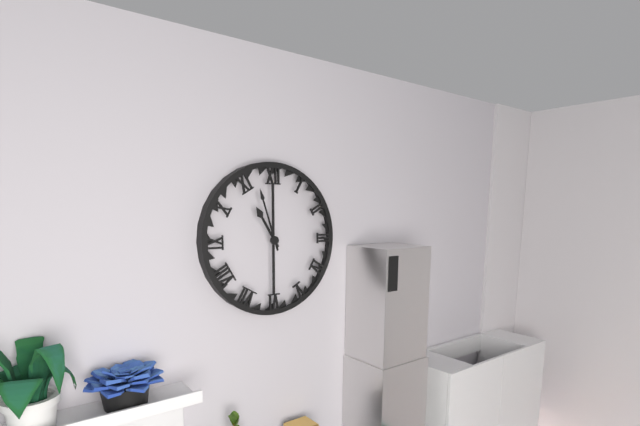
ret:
{"hour": 10, "minute": 57}
